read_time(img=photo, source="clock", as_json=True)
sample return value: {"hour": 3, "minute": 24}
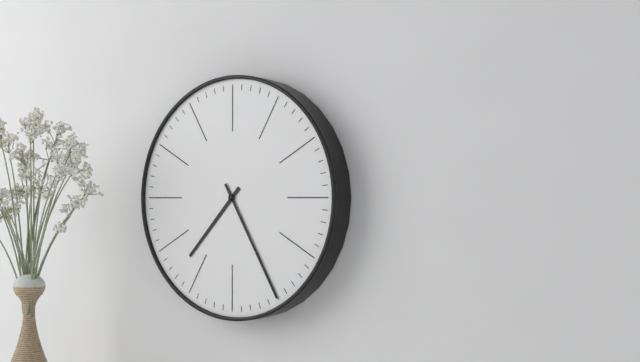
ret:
{"hour": 7, "minute": 25}
